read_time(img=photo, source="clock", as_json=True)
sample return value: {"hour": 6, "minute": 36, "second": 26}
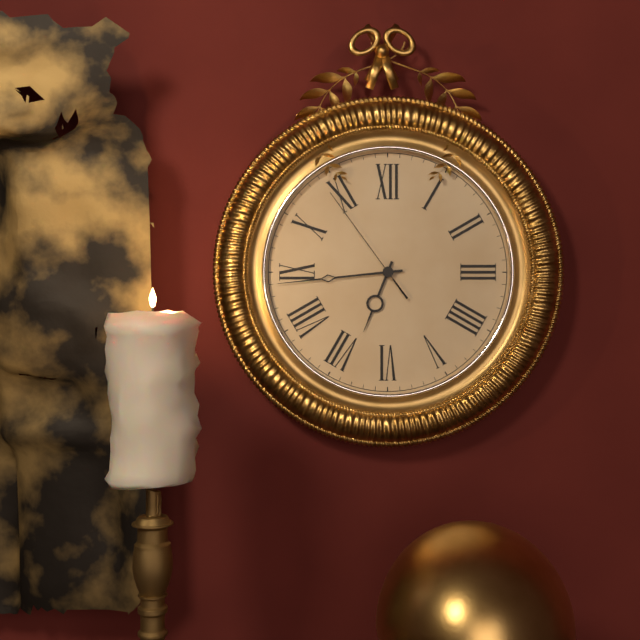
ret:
{"hour": 6, "minute": 44, "second": 54}
